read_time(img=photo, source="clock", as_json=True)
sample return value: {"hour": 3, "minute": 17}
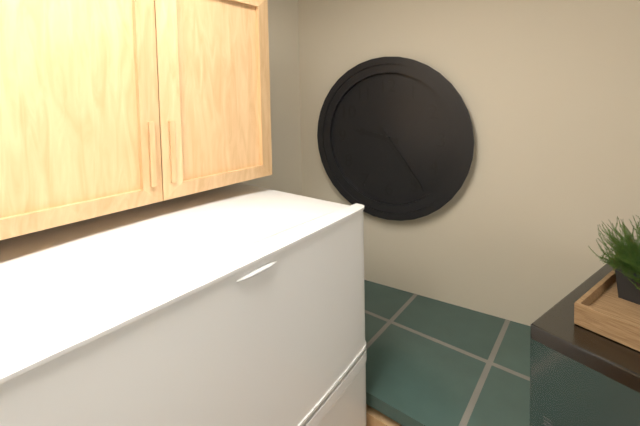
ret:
{"hour": 9, "minute": 24}
